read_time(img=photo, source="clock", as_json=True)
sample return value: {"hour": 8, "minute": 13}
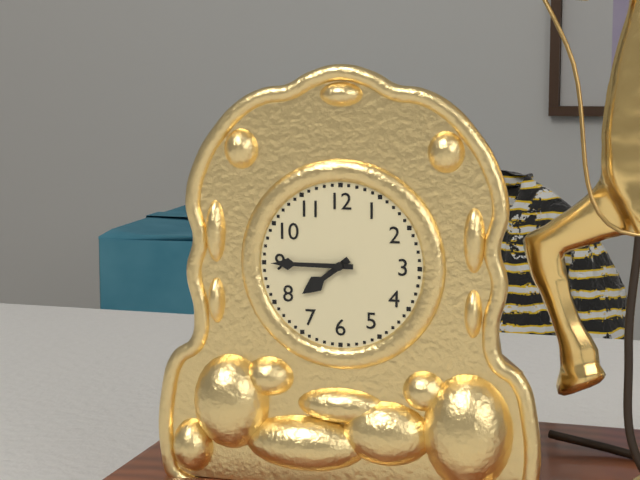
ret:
{"hour": 7, "minute": 45}
